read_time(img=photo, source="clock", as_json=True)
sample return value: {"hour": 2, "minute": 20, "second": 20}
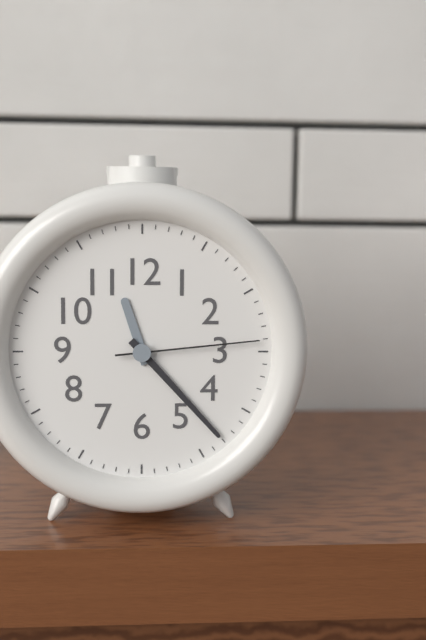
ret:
{"hour": 11, "minute": 23, "second": 14}
